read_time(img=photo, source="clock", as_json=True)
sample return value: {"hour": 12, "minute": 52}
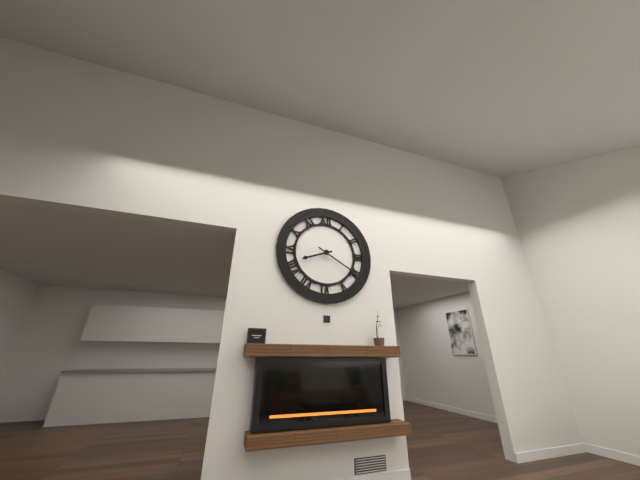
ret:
{"hour": 8, "minute": 20}
